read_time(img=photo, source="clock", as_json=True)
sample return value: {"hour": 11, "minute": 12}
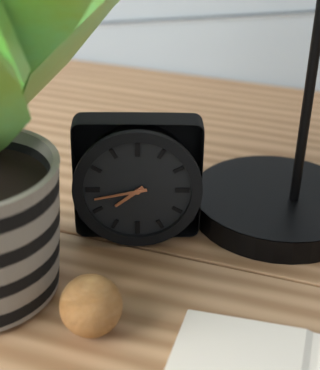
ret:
{"hour": 7, "minute": 43}
